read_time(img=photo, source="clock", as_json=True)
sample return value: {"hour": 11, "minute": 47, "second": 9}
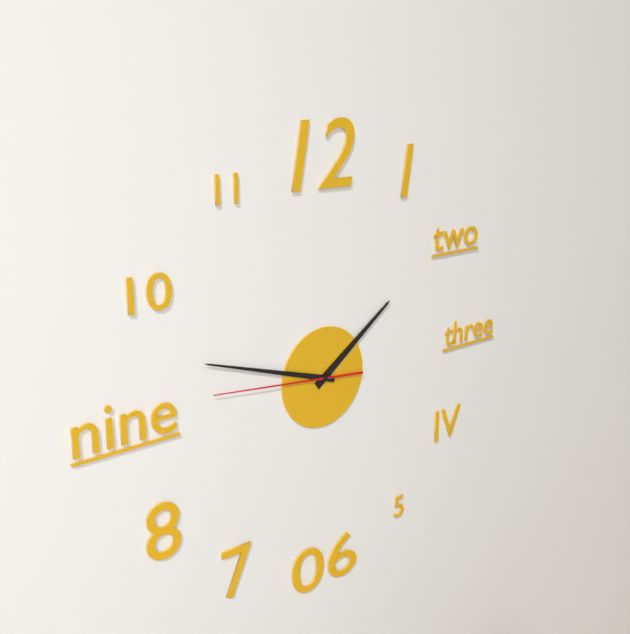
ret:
{"hour": 1, "minute": 48, "second": 46}
